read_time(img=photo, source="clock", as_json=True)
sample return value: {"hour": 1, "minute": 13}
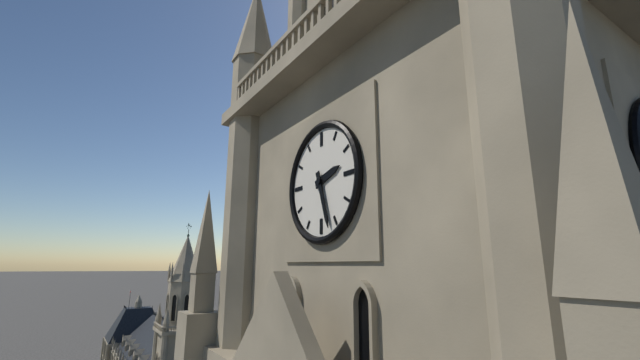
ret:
{"hour": 2, "minute": 27}
